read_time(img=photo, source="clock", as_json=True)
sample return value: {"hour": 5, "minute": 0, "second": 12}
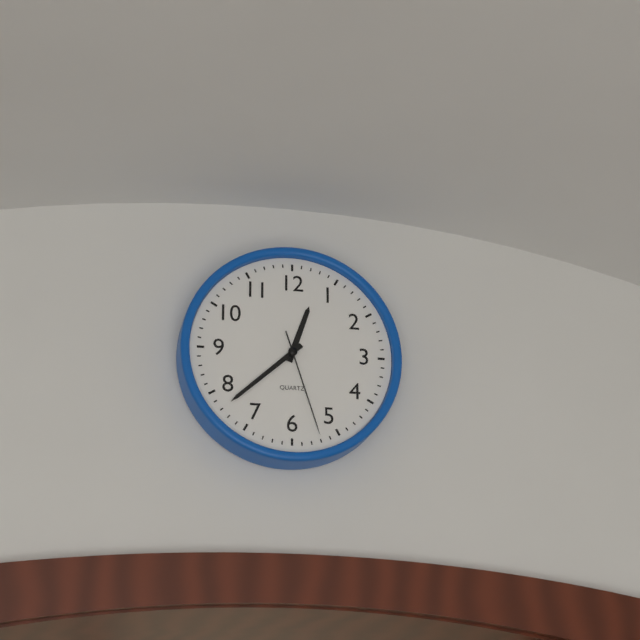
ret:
{"hour": 12, "minute": 38, "second": 27}
